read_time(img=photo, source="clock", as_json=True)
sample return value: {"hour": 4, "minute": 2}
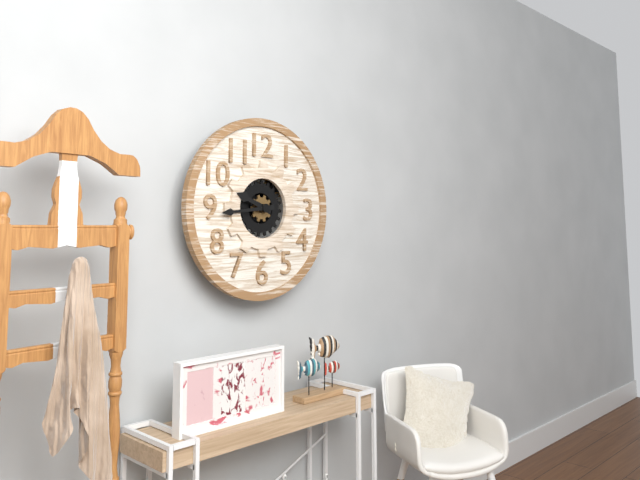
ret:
{"hour": 9, "minute": 44}
